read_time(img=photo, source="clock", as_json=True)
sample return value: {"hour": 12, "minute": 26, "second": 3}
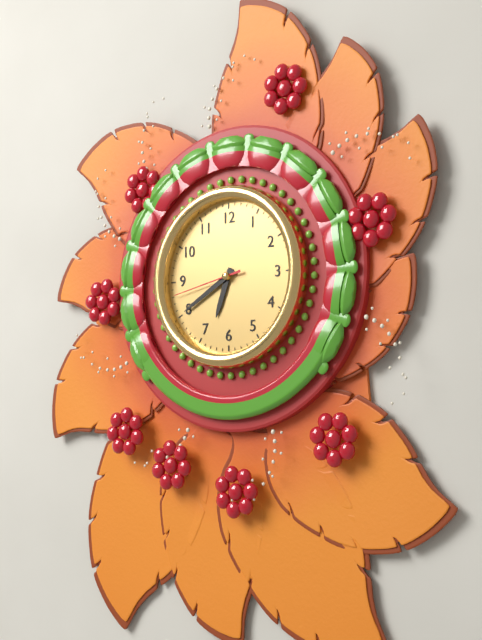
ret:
{"hour": 6, "minute": 40, "second": 43}
